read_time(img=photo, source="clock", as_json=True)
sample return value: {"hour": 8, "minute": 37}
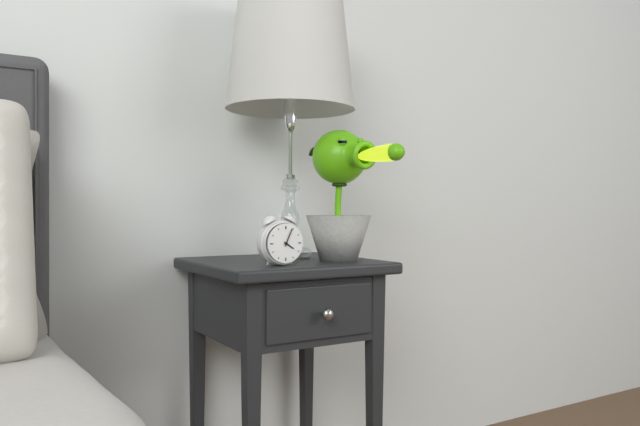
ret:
{"hour": 4, "minute": 4}
